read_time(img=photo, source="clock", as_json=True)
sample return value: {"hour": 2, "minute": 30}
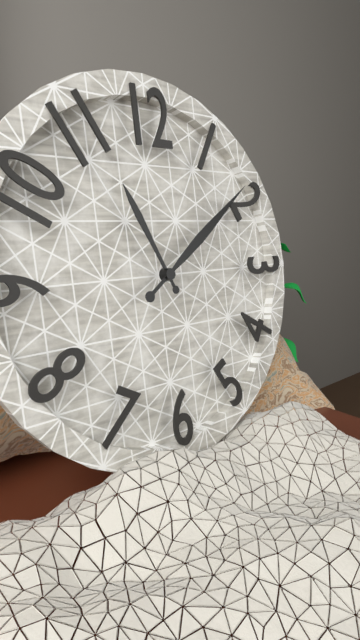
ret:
{"hour": 11, "minute": 9}
